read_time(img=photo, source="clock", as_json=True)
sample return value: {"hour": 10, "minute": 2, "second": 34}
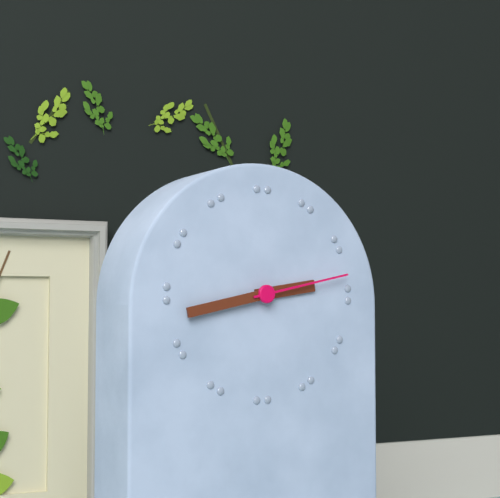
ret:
{"hour": 2, "minute": 43, "second": 13}
